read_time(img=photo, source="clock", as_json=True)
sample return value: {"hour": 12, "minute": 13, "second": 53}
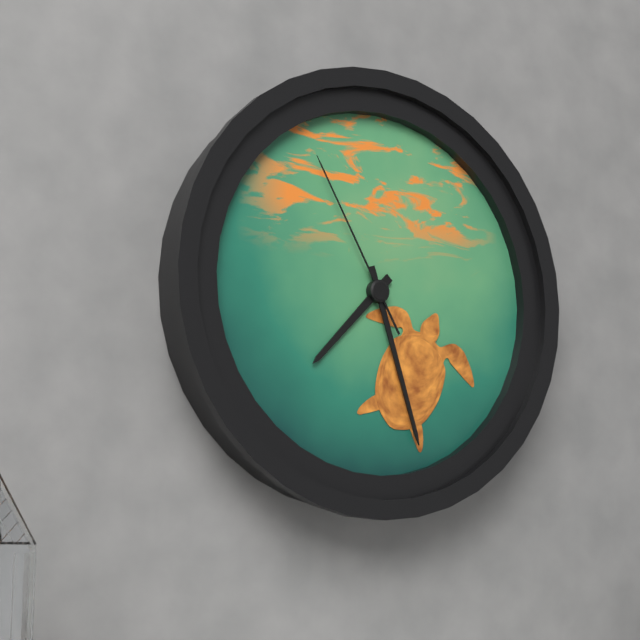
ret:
{"hour": 7, "minute": 27, "second": 55}
